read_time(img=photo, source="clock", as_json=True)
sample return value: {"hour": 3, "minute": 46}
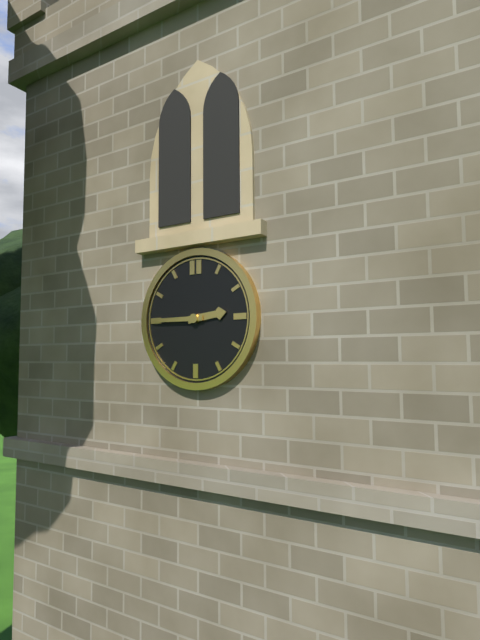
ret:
{"hour": 2, "minute": 45}
